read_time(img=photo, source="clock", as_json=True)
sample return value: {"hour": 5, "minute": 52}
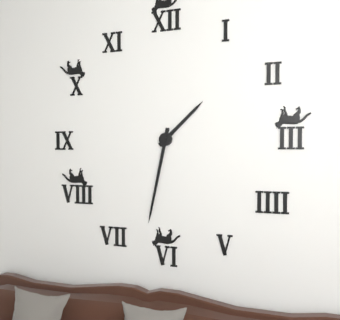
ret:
{"hour": 1, "minute": 32}
